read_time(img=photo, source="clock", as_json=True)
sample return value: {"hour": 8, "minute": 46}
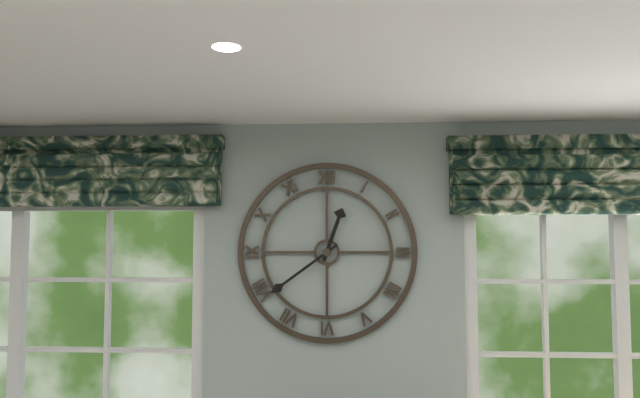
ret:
{"hour": 12, "minute": 39}
